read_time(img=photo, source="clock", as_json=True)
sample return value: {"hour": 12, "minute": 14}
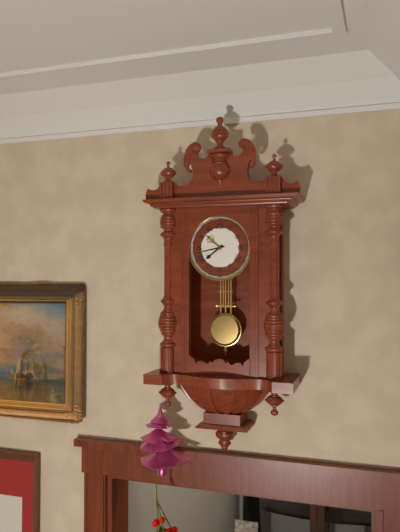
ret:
{"hour": 7, "minute": 43}
